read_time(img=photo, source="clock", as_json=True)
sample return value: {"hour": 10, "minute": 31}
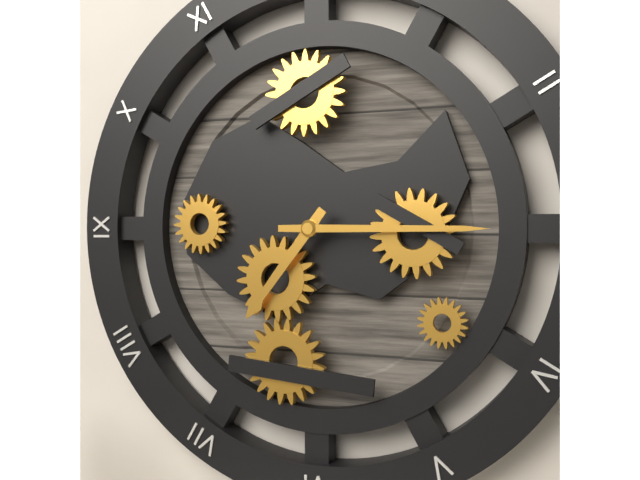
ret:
{"hour": 7, "minute": 15}
